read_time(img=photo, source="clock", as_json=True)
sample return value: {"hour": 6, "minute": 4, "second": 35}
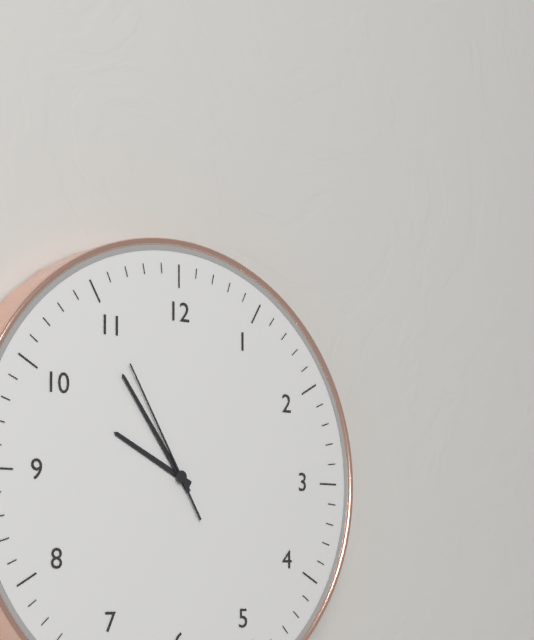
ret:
{"hour": 9, "minute": 54, "second": 55}
